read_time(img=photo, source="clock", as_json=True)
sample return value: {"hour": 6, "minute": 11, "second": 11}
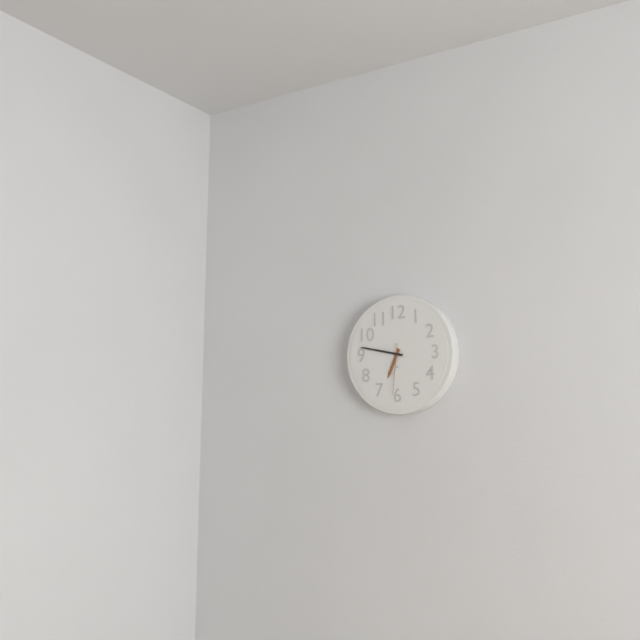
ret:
{"hour": 6, "minute": 47, "second": 31}
